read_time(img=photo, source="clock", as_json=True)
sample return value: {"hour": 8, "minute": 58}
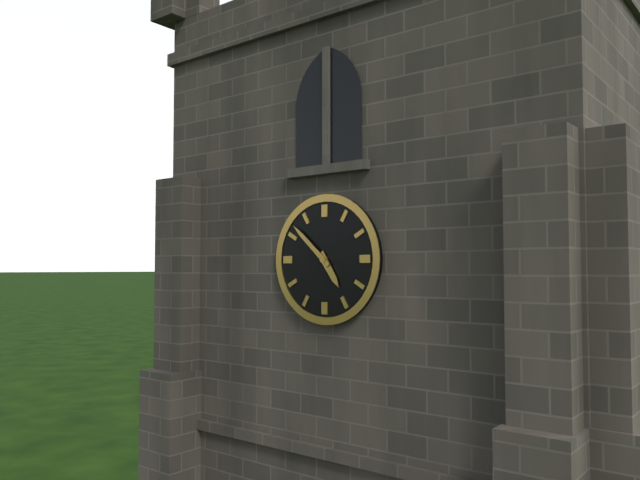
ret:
{"hour": 4, "minute": 52}
